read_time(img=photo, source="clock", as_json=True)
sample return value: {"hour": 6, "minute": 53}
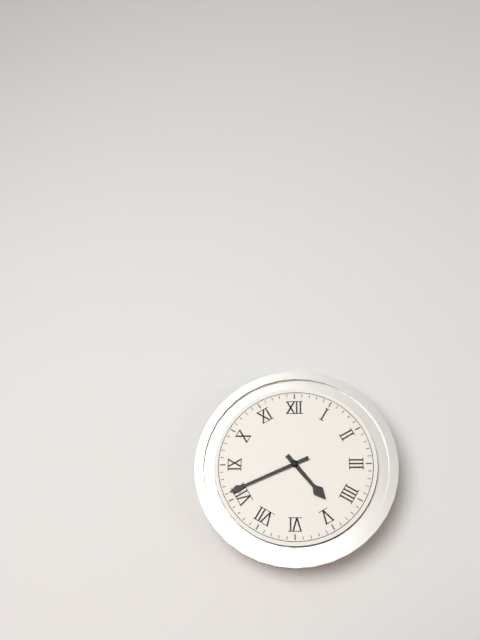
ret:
{"hour": 4, "minute": 41}
